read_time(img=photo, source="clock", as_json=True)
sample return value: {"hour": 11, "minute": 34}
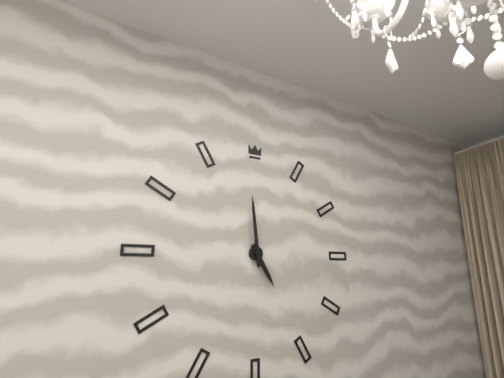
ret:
{"hour": 4, "minute": 59}
